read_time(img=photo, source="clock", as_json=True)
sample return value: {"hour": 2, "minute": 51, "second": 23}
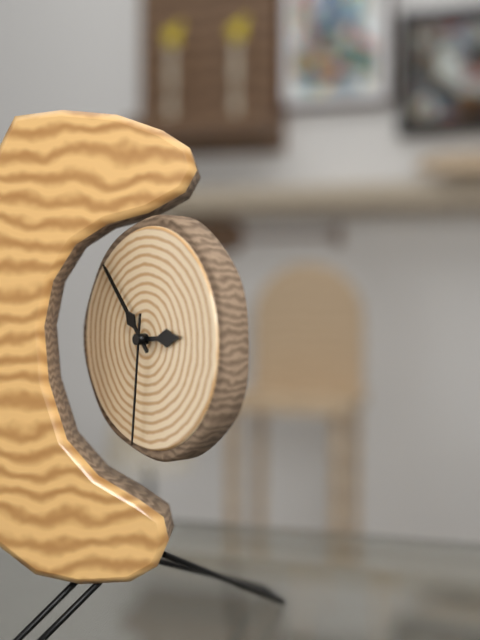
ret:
{"hour": 2, "minute": 53, "second": 31}
